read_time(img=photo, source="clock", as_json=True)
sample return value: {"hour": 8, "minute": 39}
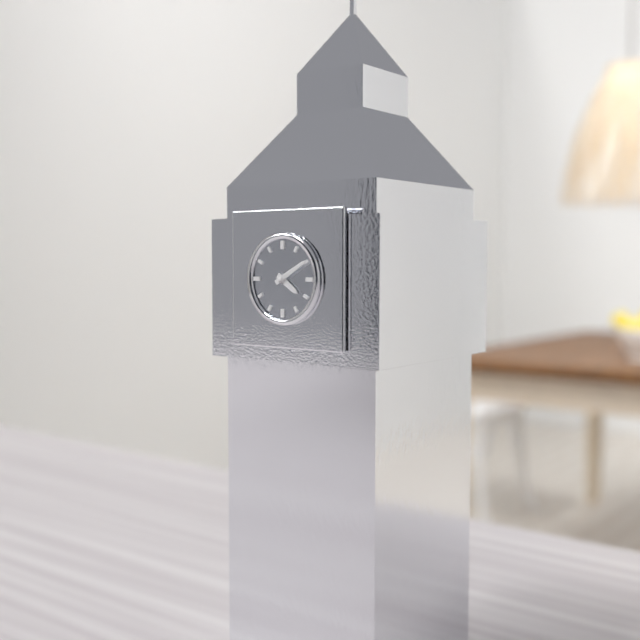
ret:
{"hour": 4, "minute": 10}
